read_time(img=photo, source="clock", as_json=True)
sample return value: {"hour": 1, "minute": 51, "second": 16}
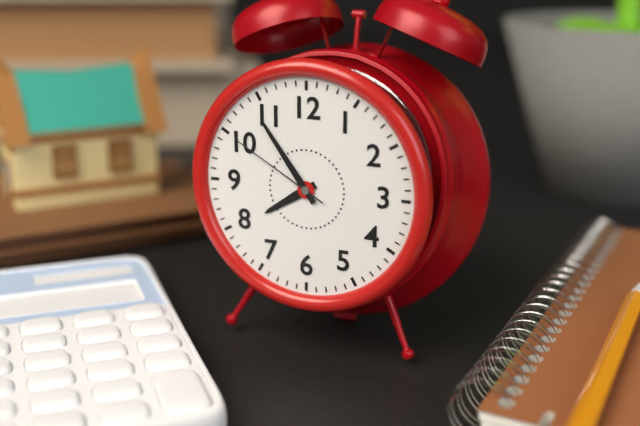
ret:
{"hour": 7, "minute": 54, "second": 50}
